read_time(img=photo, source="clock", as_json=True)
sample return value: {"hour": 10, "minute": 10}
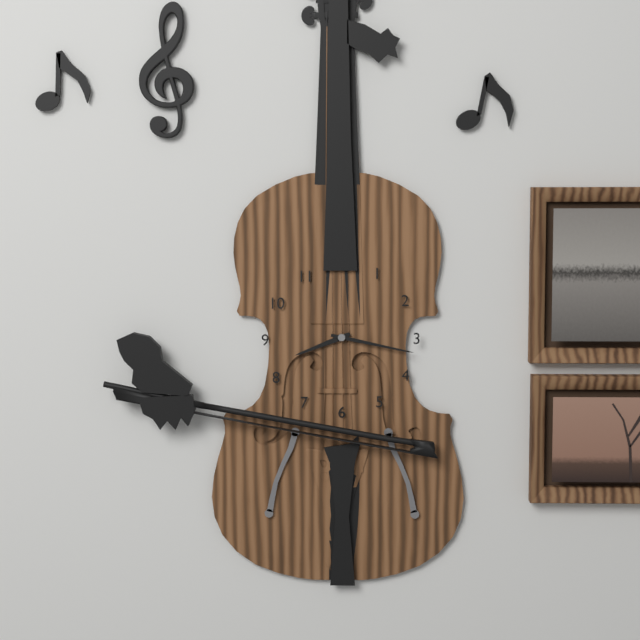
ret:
{"hour": 8, "minute": 17}
